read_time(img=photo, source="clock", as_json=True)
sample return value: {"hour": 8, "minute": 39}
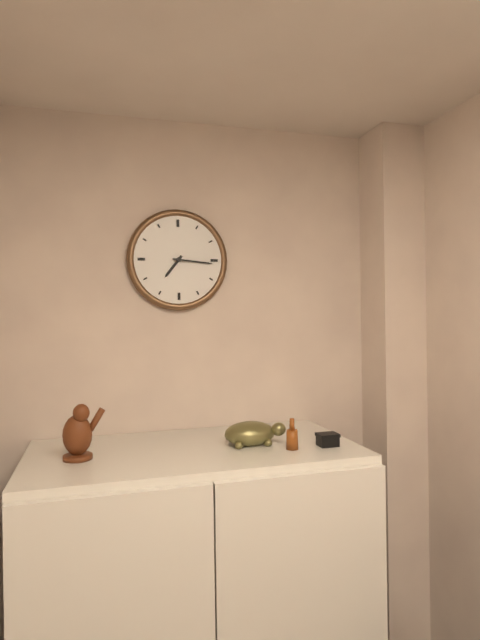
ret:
{"hour": 7, "minute": 16}
